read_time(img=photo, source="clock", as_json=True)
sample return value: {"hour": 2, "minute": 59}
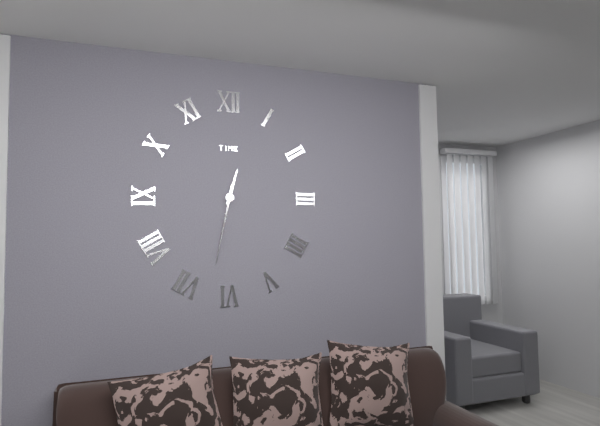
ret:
{"hour": 12, "minute": 32}
